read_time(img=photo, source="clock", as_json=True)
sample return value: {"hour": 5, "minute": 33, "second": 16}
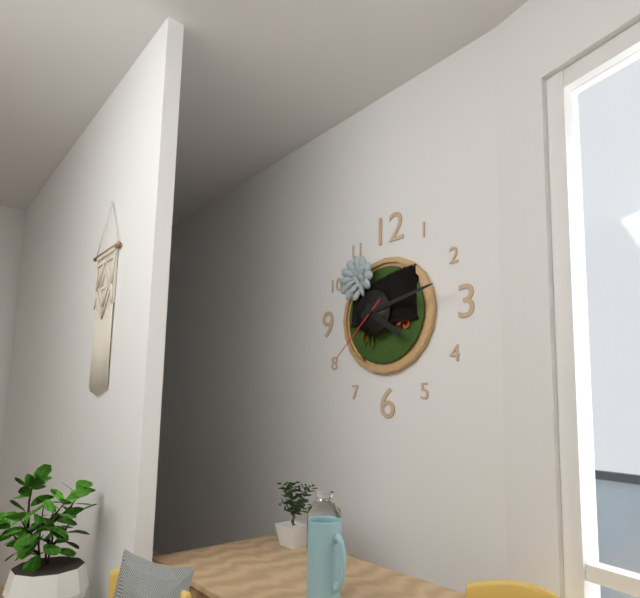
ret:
{"hour": 4, "minute": 13, "second": 38}
